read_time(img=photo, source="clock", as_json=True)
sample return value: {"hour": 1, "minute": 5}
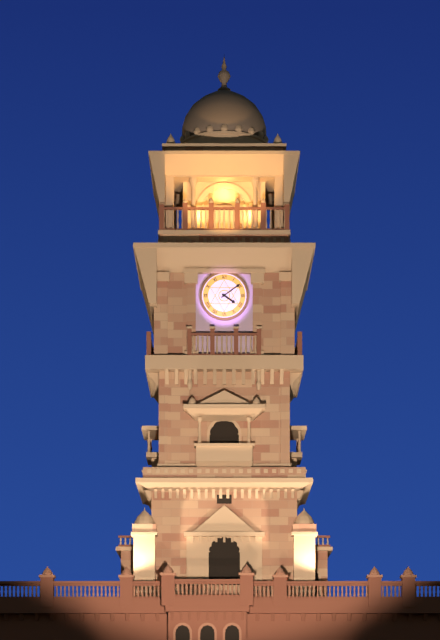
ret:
{"hour": 4, "minute": 9}
